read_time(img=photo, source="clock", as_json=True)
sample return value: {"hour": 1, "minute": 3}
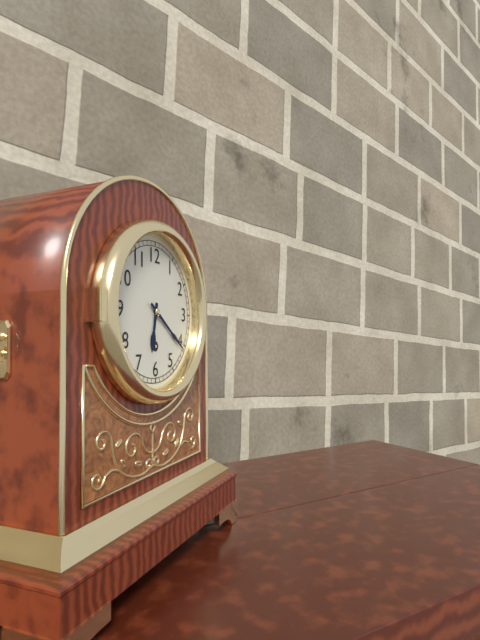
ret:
{"hour": 6, "minute": 21}
